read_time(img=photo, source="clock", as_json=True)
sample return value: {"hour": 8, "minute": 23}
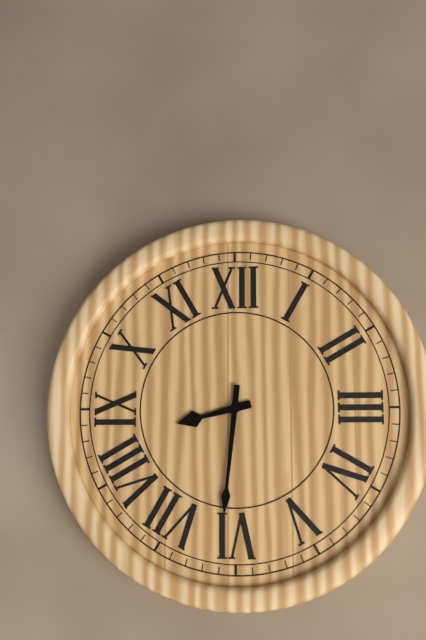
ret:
{"hour": 8, "minute": 31}
